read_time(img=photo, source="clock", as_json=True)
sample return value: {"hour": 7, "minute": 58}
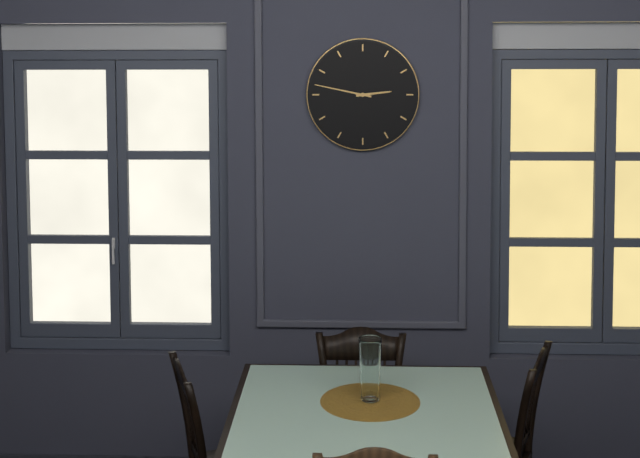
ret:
{"hour": 2, "minute": 47}
